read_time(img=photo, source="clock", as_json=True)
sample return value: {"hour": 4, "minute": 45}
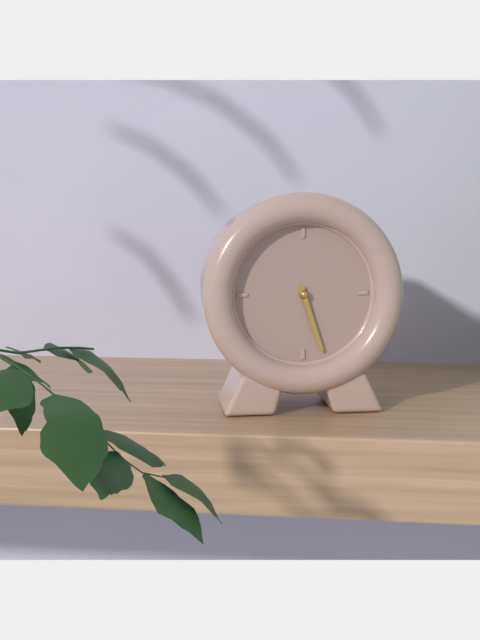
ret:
{"hour": 5, "minute": 27}
